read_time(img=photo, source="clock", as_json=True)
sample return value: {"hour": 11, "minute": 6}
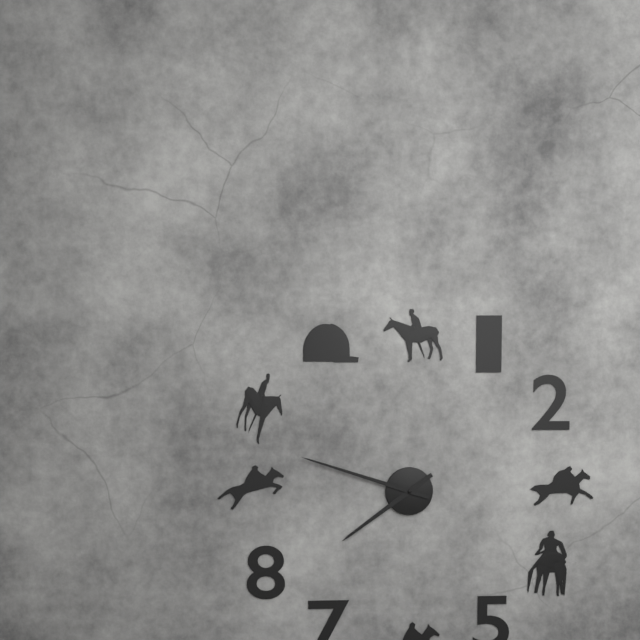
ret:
{"hour": 7, "minute": 48}
